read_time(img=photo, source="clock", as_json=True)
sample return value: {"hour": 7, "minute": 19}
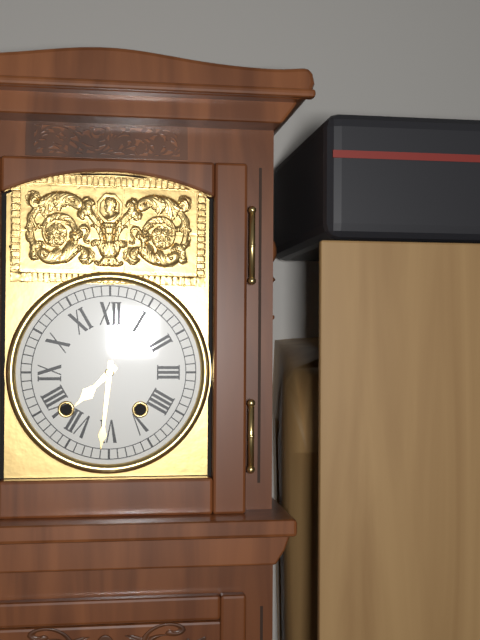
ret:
{"hour": 7, "minute": 31}
